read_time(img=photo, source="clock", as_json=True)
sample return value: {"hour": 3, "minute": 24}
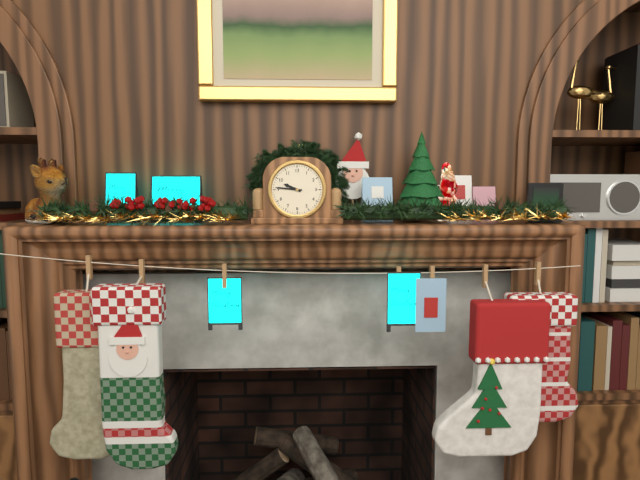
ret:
{"hour": 9, "minute": 46}
